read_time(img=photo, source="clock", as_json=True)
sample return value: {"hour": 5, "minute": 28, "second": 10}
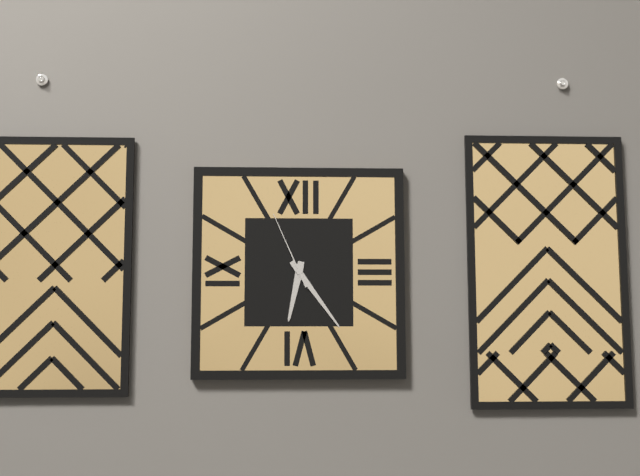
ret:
{"hour": 6, "minute": 24, "second": 56}
